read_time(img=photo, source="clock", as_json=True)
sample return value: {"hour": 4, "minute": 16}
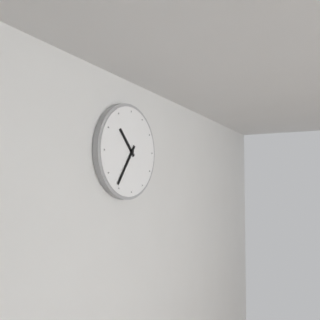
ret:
{"hour": 10, "minute": 36}
